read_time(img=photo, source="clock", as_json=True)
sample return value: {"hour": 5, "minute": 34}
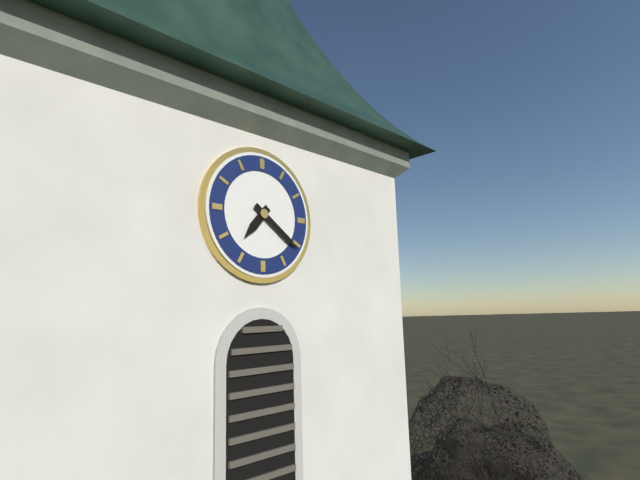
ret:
{"hour": 7, "minute": 21}
